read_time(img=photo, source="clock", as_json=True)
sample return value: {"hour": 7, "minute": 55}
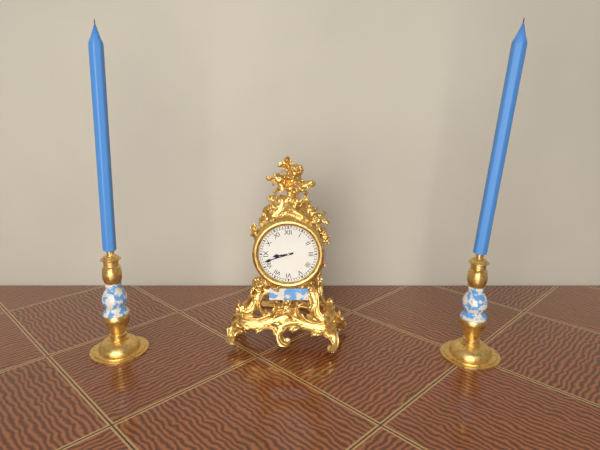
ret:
{"hour": 8, "minute": 42}
